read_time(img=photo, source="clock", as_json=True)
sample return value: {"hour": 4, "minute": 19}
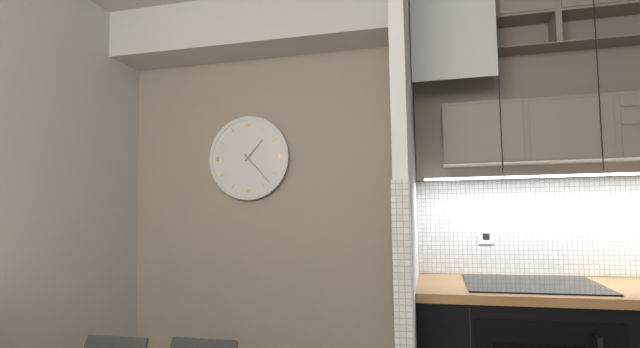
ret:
{"hour": 1, "minute": 23}
